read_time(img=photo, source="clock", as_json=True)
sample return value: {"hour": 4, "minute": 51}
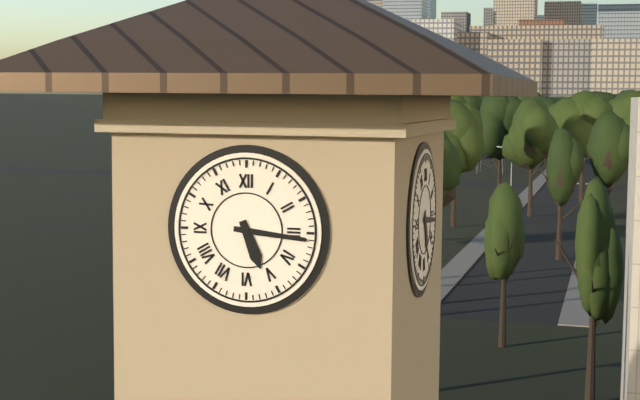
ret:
{"hour": 5, "minute": 16}
